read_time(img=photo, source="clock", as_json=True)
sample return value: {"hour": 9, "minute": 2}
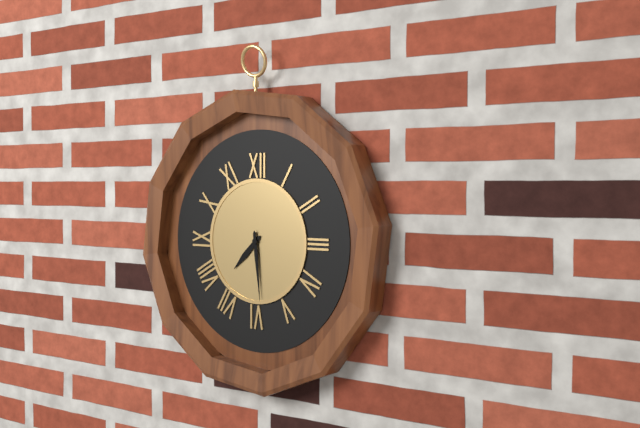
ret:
{"hour": 7, "minute": 29}
